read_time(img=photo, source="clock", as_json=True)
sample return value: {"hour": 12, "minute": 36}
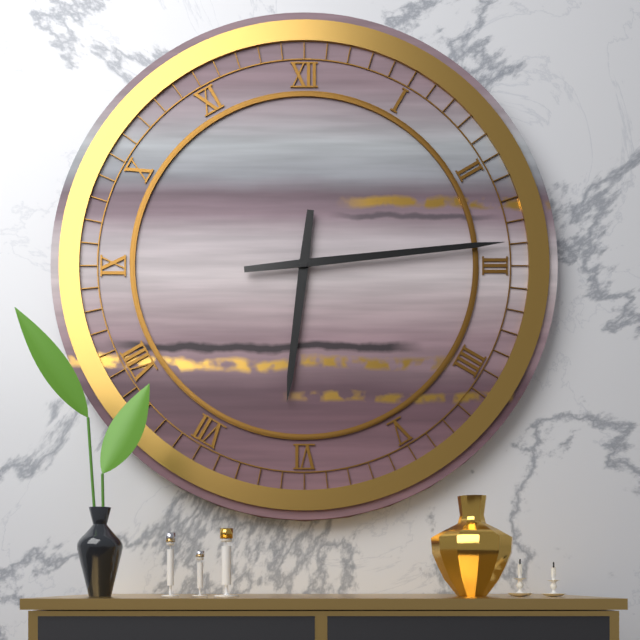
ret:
{"hour": 6, "minute": 14}
